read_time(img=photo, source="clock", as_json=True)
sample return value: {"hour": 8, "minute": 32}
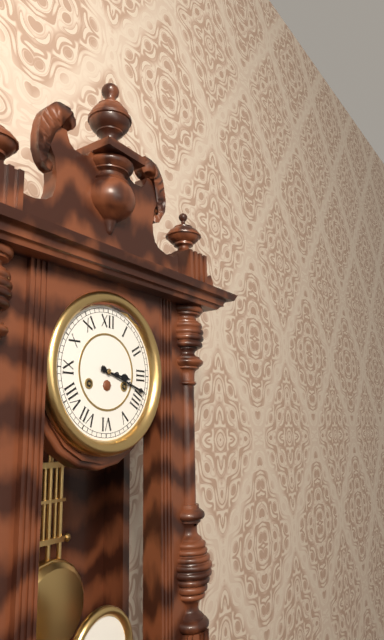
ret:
{"hour": 3, "minute": 18}
